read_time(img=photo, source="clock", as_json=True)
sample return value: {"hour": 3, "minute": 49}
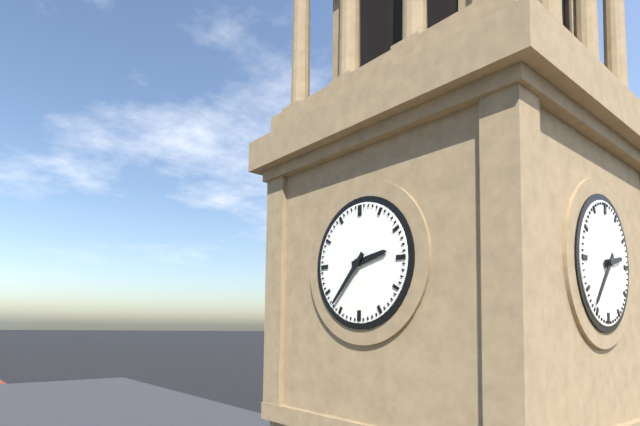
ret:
{"hour": 2, "minute": 37}
